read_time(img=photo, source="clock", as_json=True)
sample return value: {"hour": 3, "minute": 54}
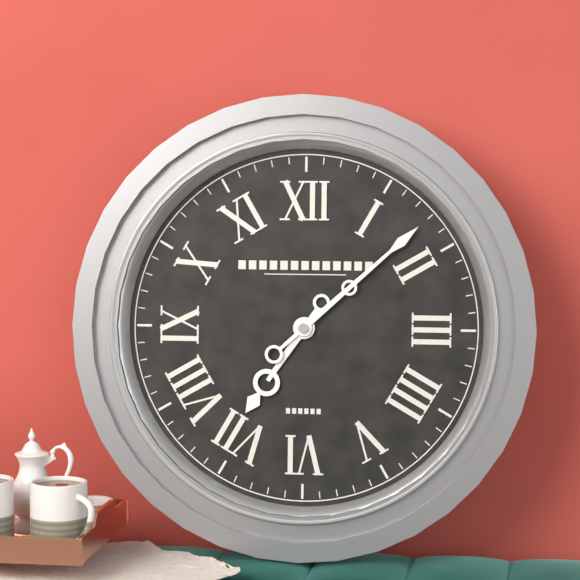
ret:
{"hour": 7, "minute": 8}
